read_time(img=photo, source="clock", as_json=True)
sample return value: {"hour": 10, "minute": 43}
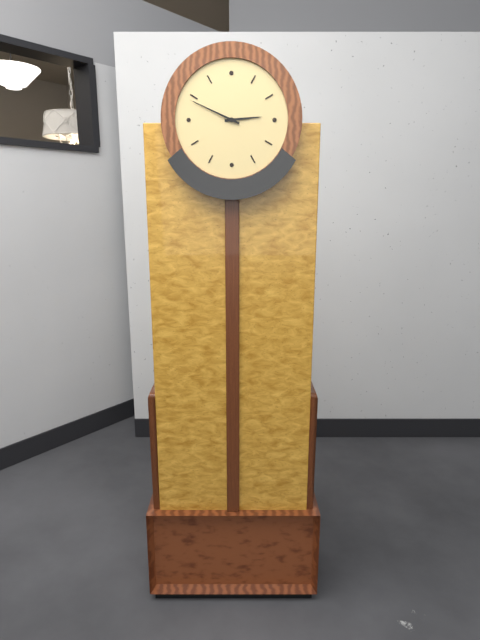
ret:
{"hour": 2, "minute": 49}
